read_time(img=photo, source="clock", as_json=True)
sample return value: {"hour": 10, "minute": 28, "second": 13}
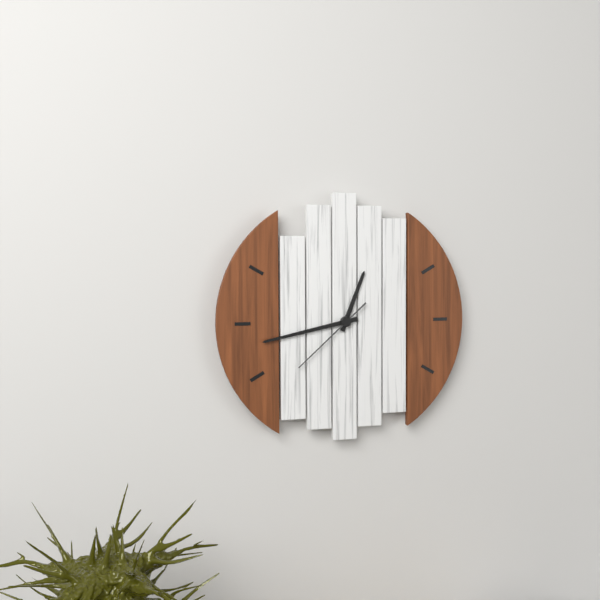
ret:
{"hour": 12, "minute": 43, "second": 38}
